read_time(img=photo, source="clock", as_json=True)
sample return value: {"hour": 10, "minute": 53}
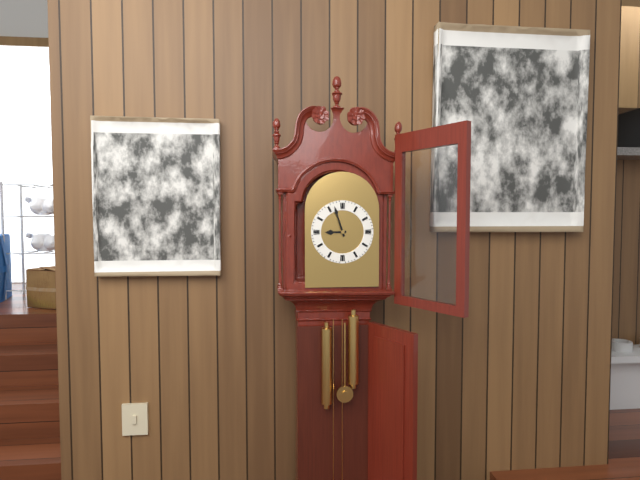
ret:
{"hour": 8, "minute": 57}
